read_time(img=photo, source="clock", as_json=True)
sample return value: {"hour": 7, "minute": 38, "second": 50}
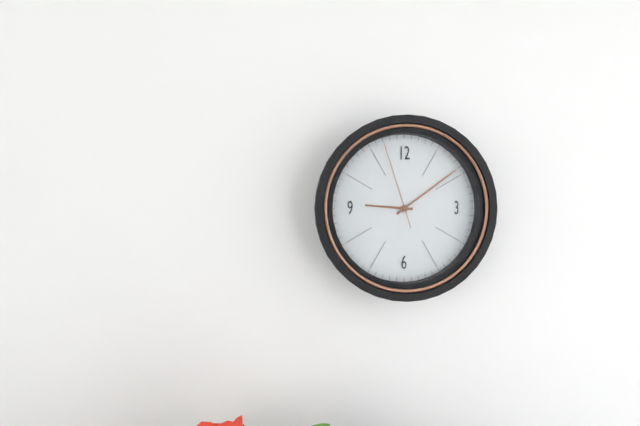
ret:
{"hour": 9, "minute": 9, "second": 57}
